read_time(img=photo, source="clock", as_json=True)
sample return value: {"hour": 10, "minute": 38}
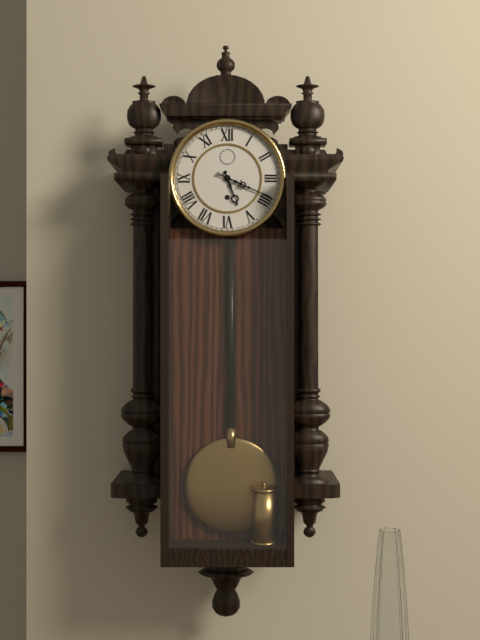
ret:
{"hour": 5, "minute": 19}
